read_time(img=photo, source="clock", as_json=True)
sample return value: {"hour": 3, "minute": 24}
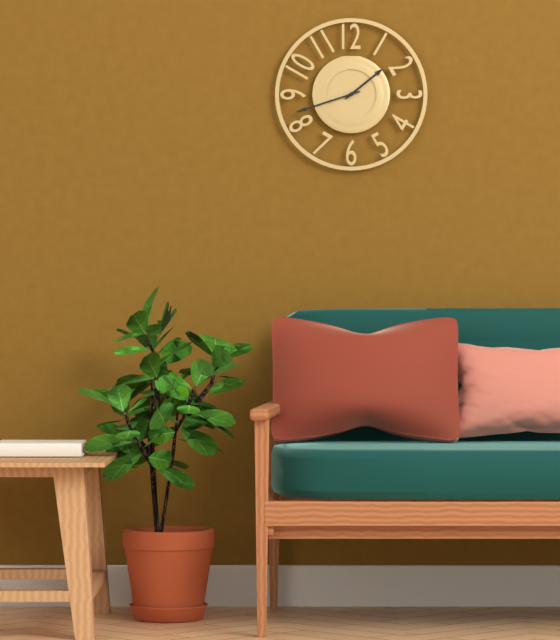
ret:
{"hour": 1, "minute": 42}
